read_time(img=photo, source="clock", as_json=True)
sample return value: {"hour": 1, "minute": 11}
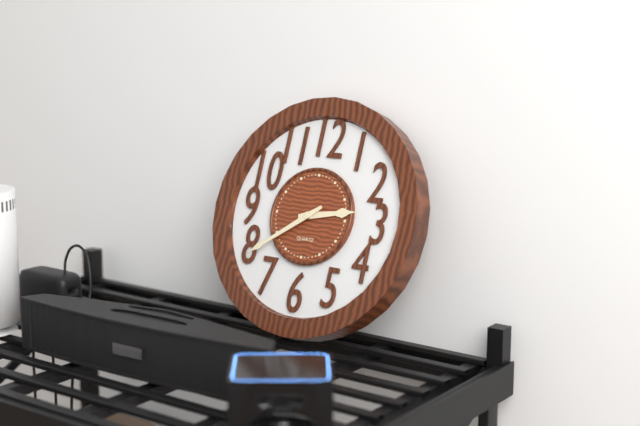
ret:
{"hour": 2, "minute": 39}
